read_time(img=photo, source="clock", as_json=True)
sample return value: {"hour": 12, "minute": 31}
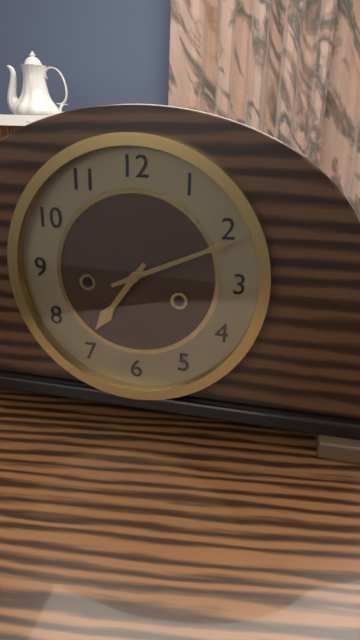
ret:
{"hour": 7, "minute": 11}
